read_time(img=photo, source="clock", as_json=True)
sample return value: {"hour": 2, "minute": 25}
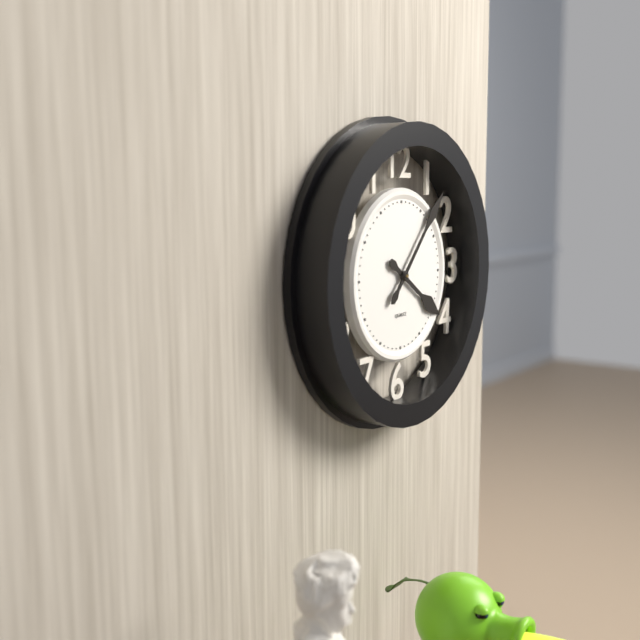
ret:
{"hour": 4, "minute": 7}
